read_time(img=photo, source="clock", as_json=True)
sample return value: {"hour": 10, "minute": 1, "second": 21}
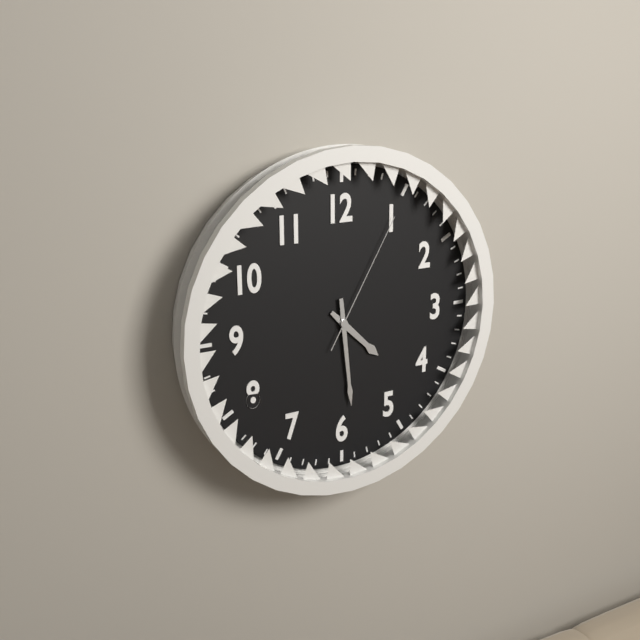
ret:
{"hour": 4, "minute": 29, "second": 5}
